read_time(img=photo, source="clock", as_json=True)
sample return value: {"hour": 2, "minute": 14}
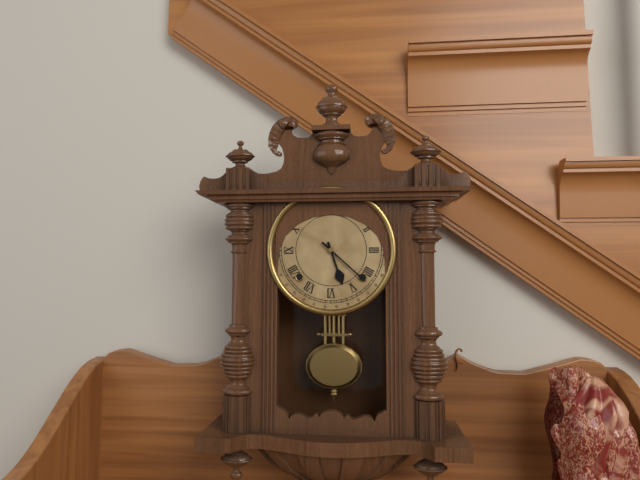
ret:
{"hour": 5, "minute": 22}
